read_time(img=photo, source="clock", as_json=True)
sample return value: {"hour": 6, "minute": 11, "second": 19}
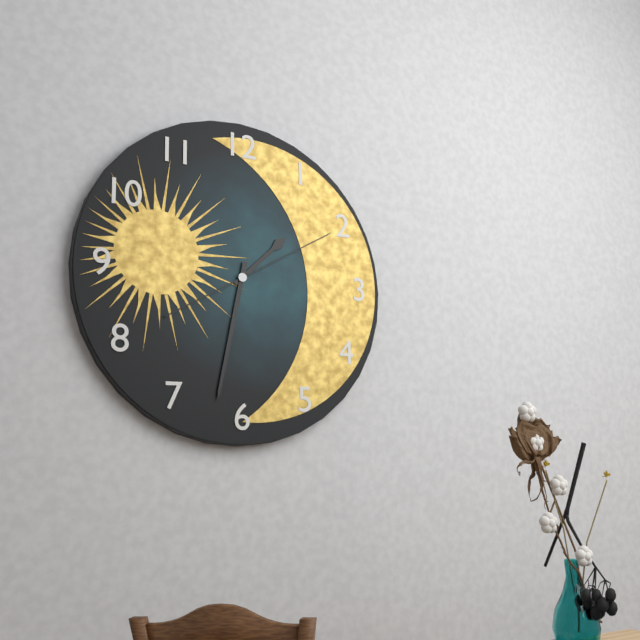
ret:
{"hour": 1, "minute": 32, "second": 10}
